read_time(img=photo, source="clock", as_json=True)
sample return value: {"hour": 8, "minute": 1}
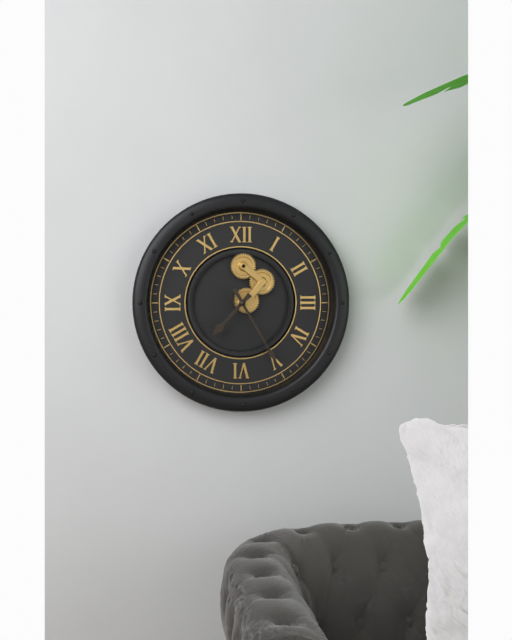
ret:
{"hour": 7, "minute": 25}
